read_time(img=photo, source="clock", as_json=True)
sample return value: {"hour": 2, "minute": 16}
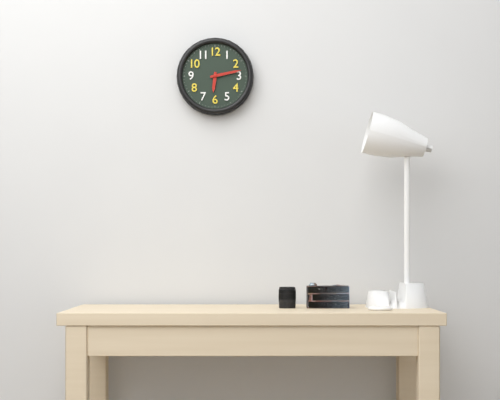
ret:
{"hour": 6, "minute": 13}
